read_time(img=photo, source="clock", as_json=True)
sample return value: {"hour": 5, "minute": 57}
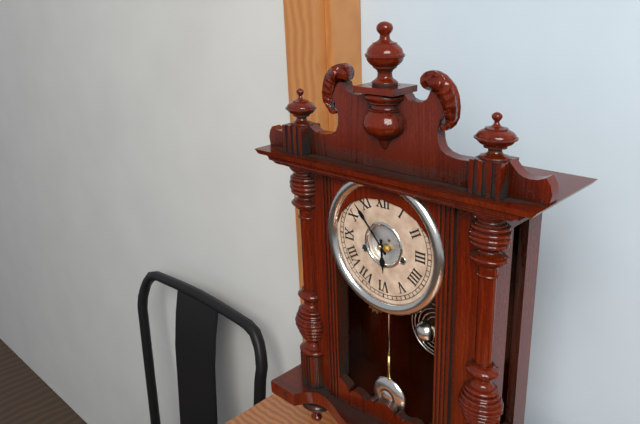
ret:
{"hour": 5, "minute": 53}
